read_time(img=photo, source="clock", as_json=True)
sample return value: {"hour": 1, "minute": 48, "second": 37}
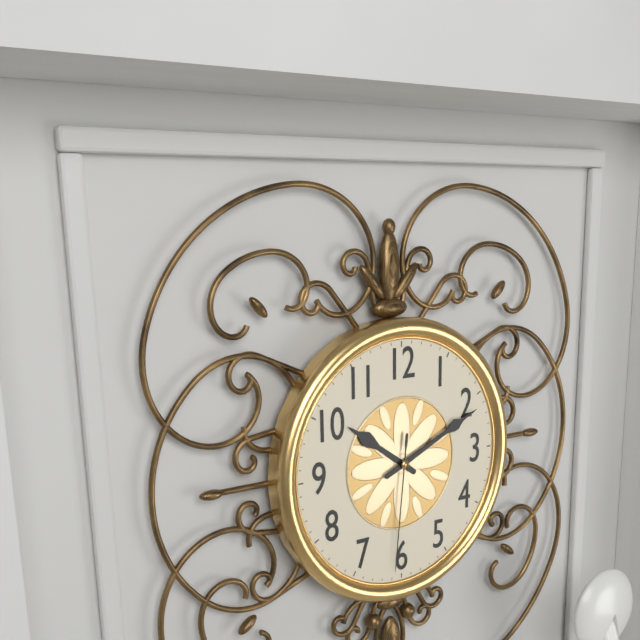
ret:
{"hour": 10, "minute": 11, "second": 31}
